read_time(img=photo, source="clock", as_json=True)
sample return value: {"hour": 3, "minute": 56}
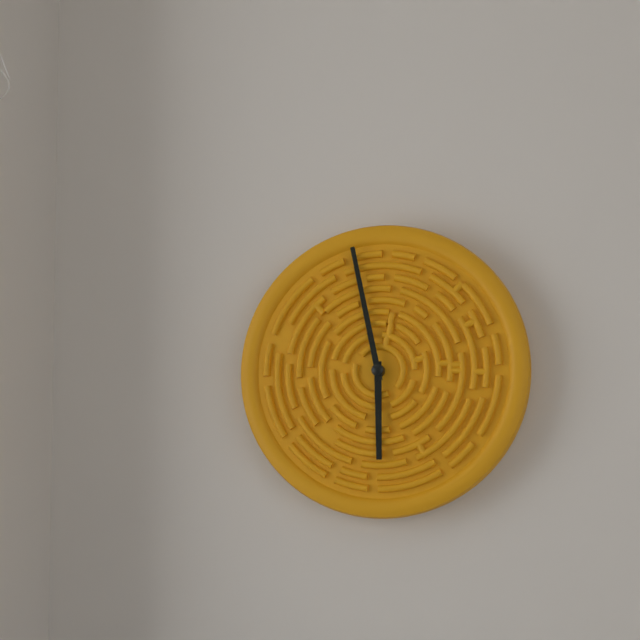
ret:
{"hour": 5, "minute": 58}
